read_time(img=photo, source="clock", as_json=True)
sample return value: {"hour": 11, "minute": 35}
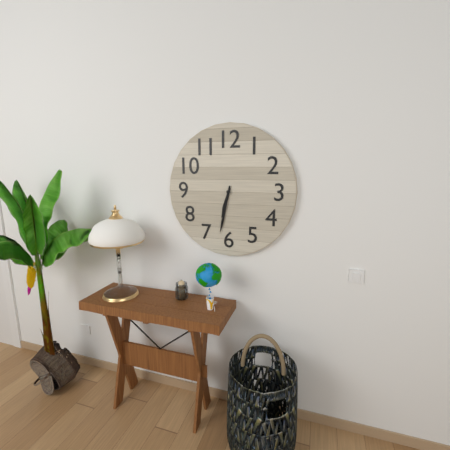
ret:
{"hour": 6, "minute": 32}
